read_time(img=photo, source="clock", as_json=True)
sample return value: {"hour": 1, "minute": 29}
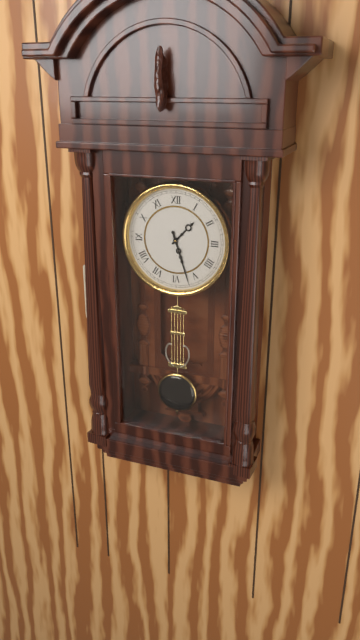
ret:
{"hour": 1, "minute": 27}
